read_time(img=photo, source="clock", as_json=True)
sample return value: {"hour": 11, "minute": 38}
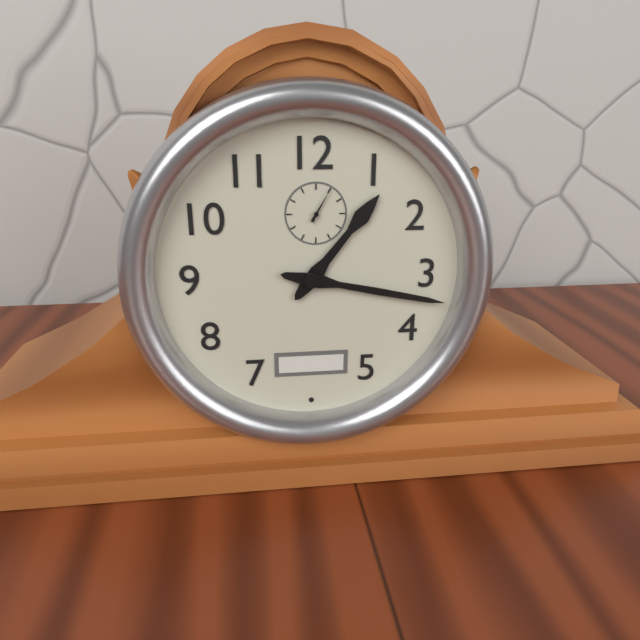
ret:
{"hour": 1, "minute": 17}
